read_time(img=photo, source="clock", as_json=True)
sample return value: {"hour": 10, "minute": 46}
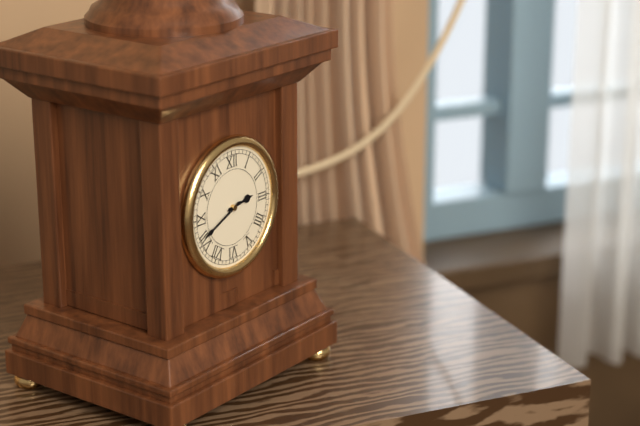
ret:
{"hour": 2, "minute": 41}
